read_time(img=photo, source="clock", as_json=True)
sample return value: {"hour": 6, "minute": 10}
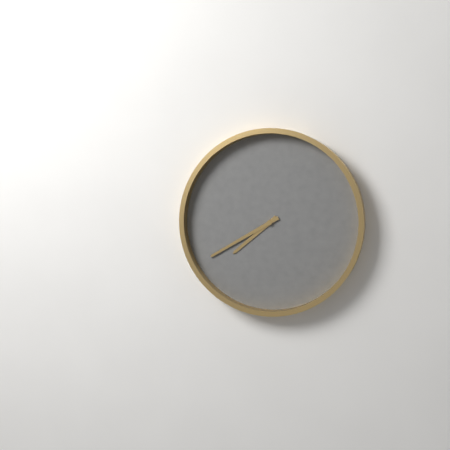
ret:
{"hour": 7, "minute": 40}
